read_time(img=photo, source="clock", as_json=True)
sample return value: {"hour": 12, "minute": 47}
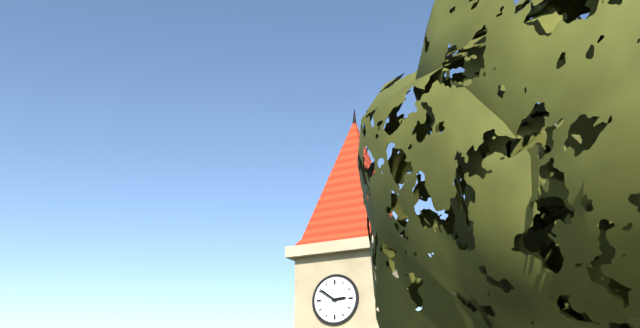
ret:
{"hour": 2, "minute": 51}
